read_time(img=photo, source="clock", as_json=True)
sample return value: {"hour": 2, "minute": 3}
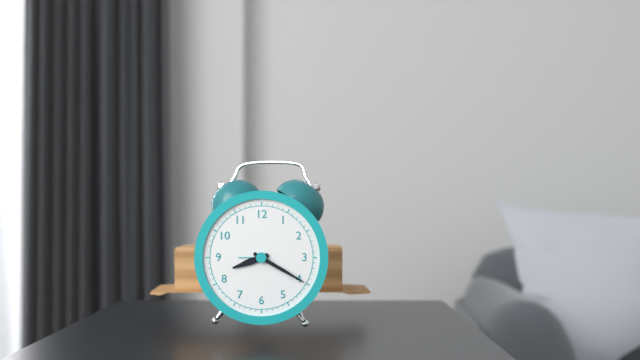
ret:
{"hour": 8, "minute": 20}
